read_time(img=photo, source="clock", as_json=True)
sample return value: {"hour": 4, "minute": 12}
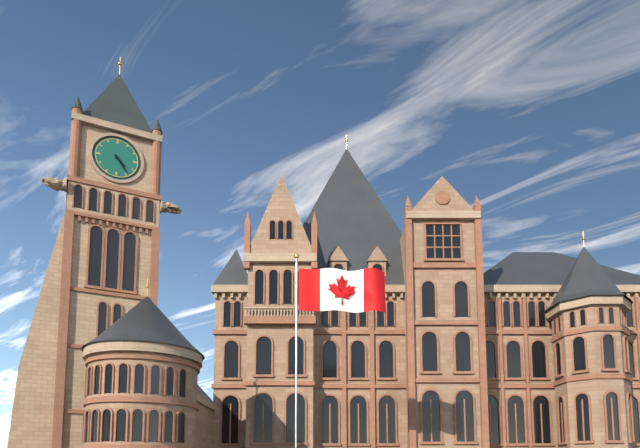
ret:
{"hour": 4, "minute": 24}
